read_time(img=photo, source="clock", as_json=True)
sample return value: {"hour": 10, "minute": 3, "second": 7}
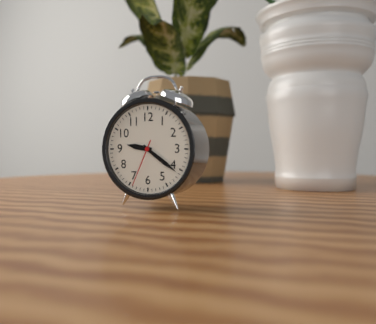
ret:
{"hour": 9, "minute": 21, "second": 34}
